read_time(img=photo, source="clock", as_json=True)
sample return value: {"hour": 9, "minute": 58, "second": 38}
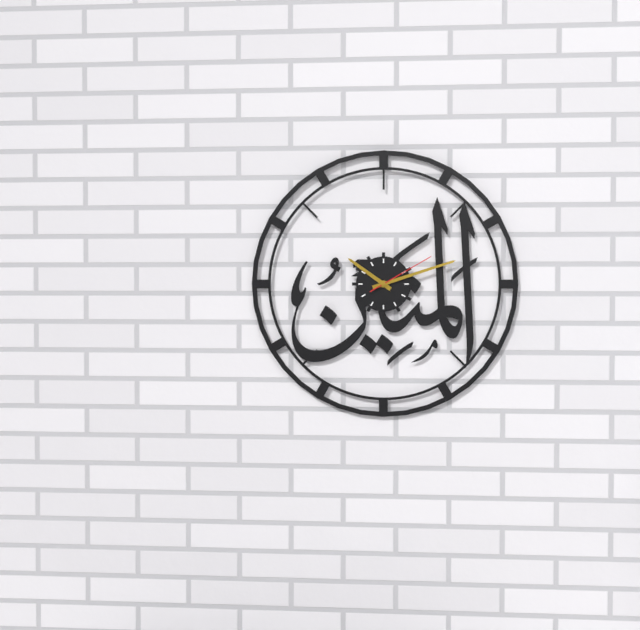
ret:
{"hour": 10, "minute": 12, "second": 10}
